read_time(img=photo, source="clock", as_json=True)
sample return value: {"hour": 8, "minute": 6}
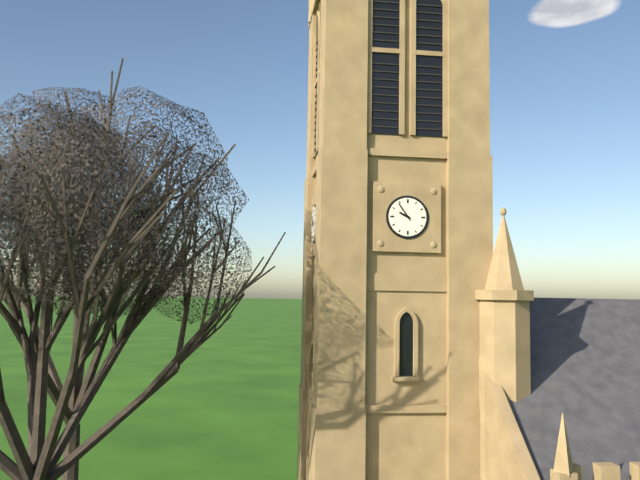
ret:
{"hour": 9, "minute": 54}
